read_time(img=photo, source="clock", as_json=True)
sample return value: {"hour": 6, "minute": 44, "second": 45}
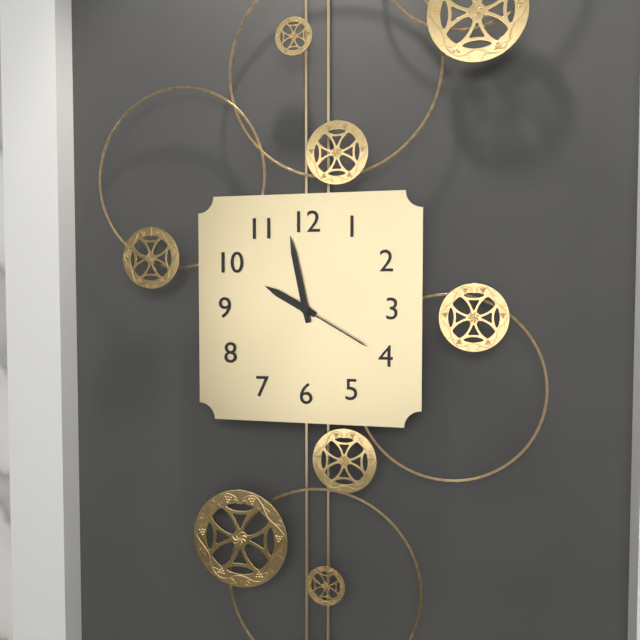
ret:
{"hour": 9, "minute": 58, "second": 20}
